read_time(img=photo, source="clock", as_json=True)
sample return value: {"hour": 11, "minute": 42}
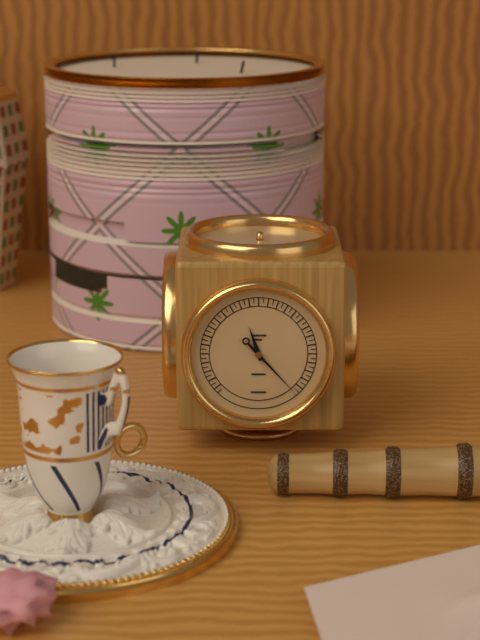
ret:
{"hour": 11, "minute": 23}
